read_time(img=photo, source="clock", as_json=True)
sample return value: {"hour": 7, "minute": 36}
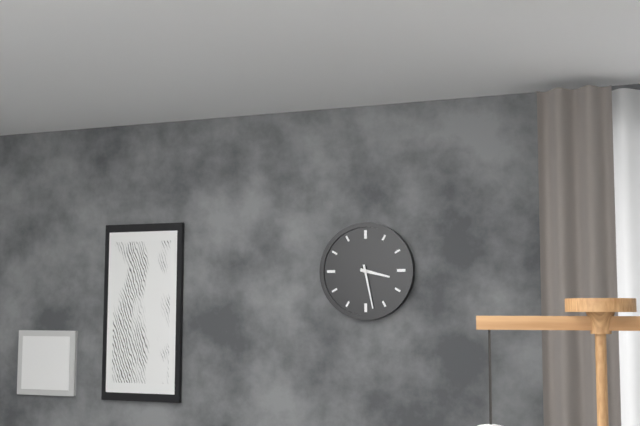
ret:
{"hour": 3, "minute": 28}
